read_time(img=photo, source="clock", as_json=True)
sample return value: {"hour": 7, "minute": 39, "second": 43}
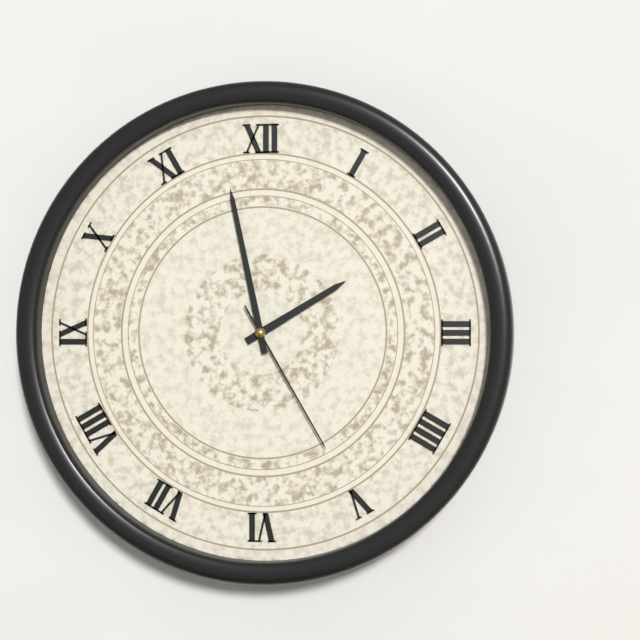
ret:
{"hour": 1, "minute": 58, "second": 25}
